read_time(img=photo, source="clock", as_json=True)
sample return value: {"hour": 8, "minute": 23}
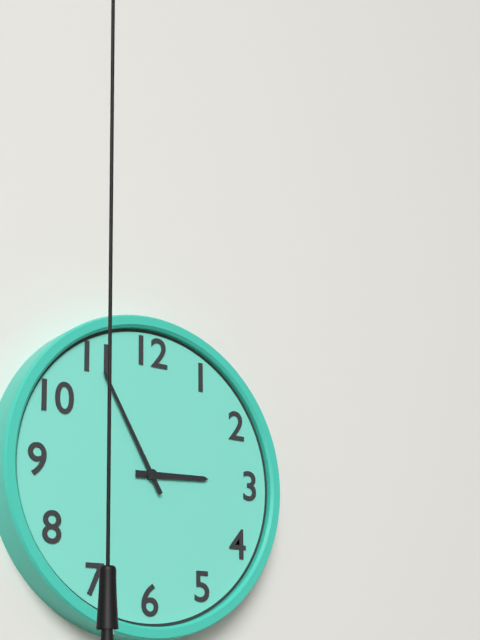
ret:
{"hour": 2, "minute": 55}
